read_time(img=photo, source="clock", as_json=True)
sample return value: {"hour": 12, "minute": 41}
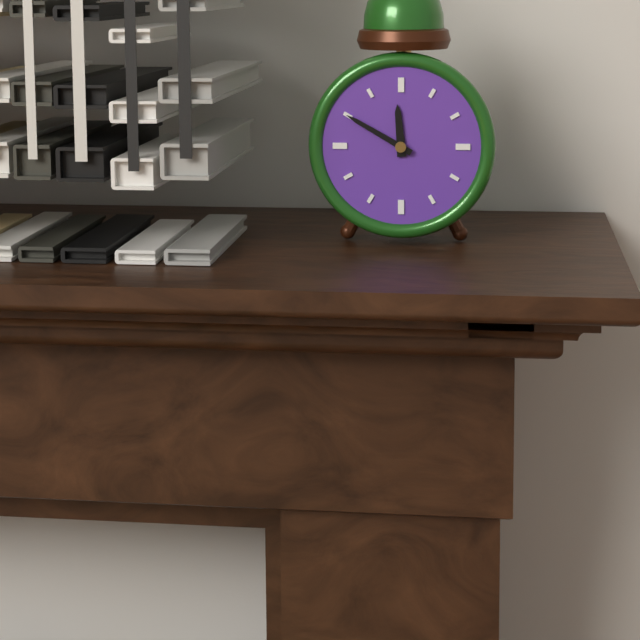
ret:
{"hour": 11, "minute": 50}
